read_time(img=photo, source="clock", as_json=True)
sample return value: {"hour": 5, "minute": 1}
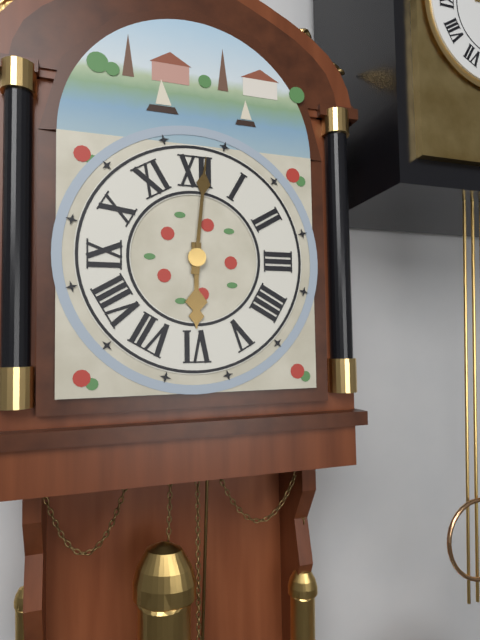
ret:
{"hour": 6, "minute": 1}
